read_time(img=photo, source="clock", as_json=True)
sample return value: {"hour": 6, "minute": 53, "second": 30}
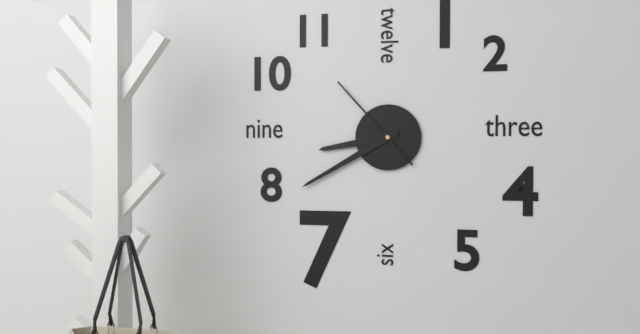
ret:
{"hour": 8, "minute": 40, "second": 53}
